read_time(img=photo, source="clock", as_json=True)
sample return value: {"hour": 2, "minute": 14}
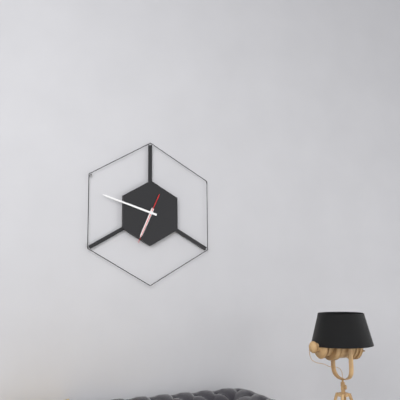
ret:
{"hour": 6, "minute": 48}
